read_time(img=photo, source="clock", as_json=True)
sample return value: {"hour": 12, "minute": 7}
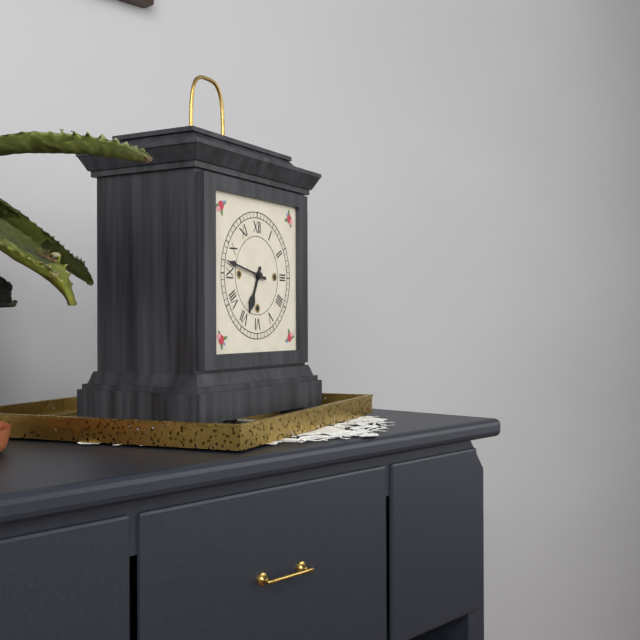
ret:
{"hour": 6, "minute": 47}
